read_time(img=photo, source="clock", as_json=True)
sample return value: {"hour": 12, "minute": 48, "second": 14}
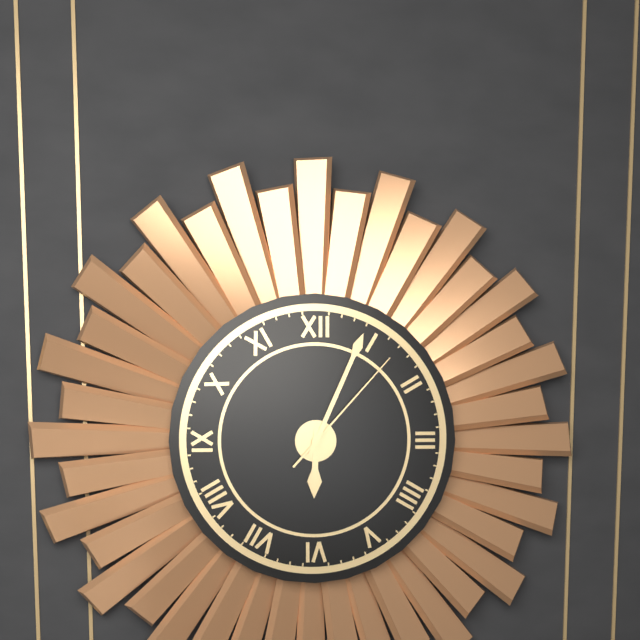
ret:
{"hour": 6, "minute": 4, "second": 7}
